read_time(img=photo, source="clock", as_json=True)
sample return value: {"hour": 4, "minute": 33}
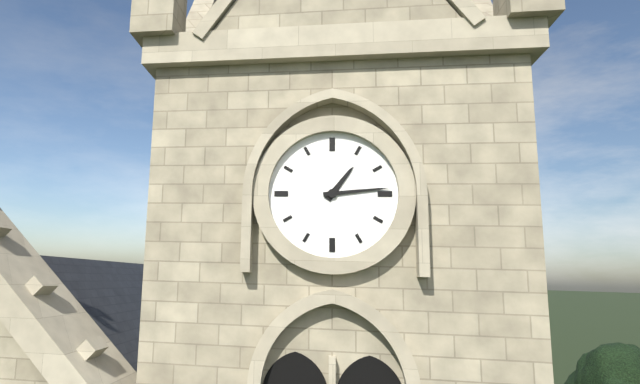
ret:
{"hour": 1, "minute": 14}
